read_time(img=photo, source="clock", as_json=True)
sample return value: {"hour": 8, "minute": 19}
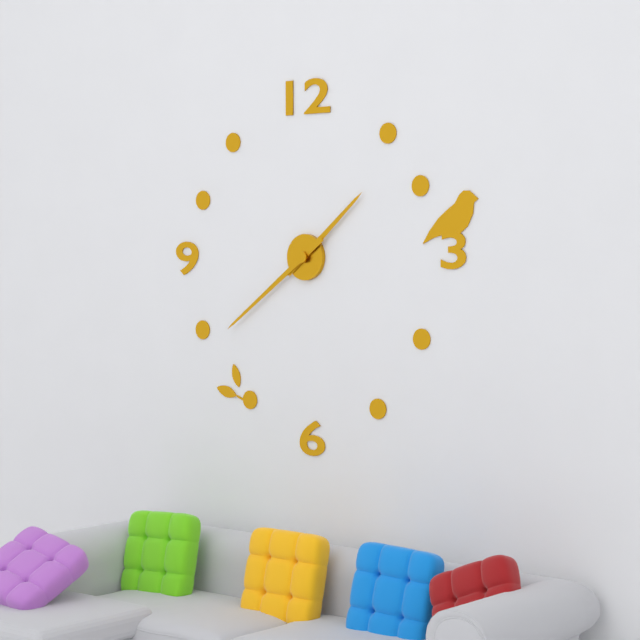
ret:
{"hour": 1, "minute": 39}
